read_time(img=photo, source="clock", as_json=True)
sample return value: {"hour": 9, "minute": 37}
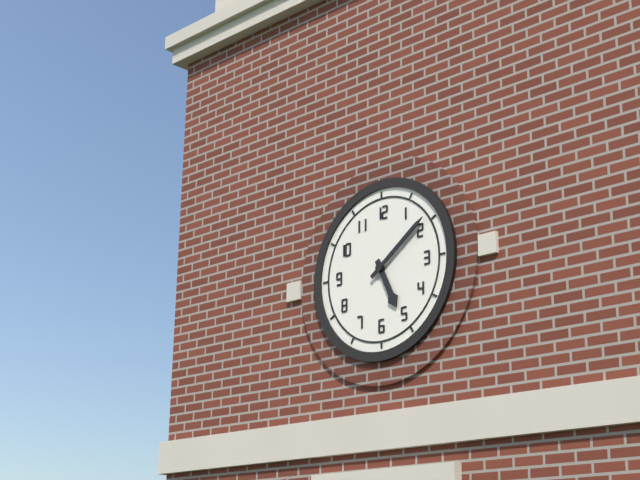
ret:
{"hour": 5, "minute": 9}
